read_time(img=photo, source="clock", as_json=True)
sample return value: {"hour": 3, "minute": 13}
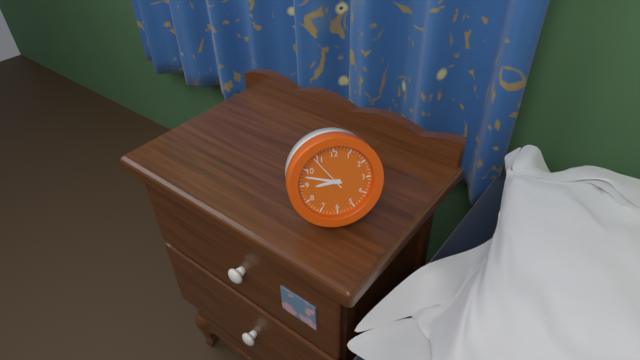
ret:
{"hour": 8, "minute": 48}
